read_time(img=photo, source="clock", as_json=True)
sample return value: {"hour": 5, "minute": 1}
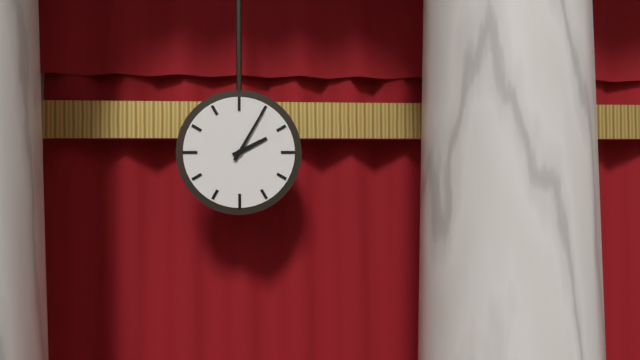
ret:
{"hour": 2, "minute": 5}
